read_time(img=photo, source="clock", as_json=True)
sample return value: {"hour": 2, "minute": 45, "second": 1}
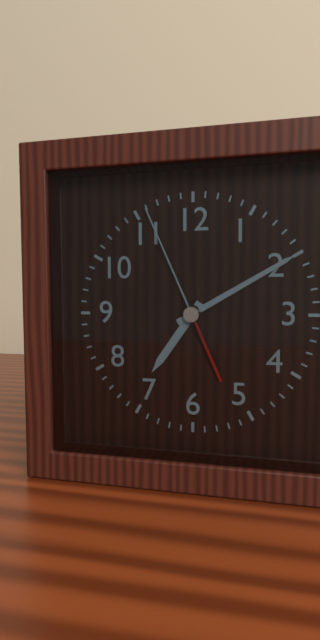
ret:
{"hour": 7, "minute": 10, "second": 56}
